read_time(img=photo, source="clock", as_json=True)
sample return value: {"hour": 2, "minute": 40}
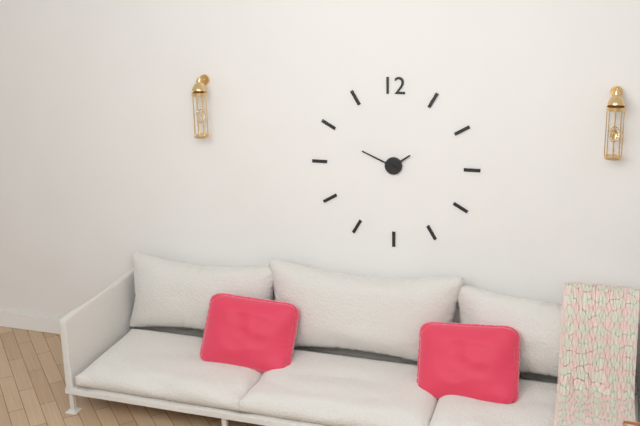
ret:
{"hour": 1, "minute": 49}
